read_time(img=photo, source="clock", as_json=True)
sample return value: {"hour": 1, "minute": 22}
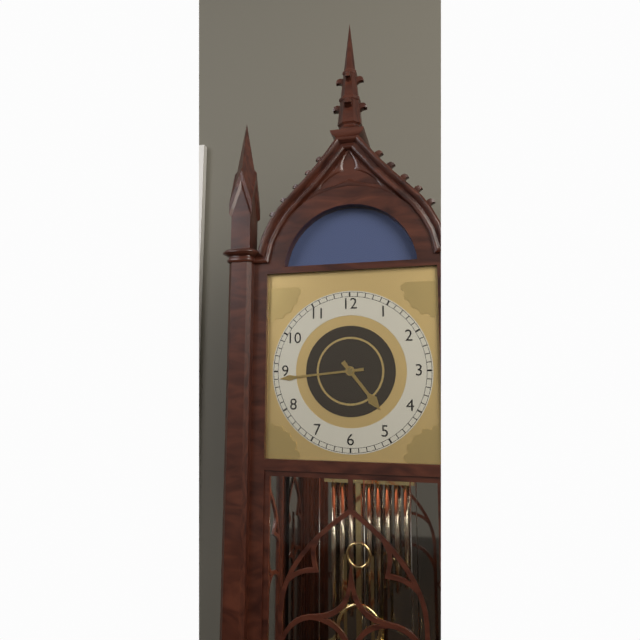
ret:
{"hour": 4, "minute": 44}
